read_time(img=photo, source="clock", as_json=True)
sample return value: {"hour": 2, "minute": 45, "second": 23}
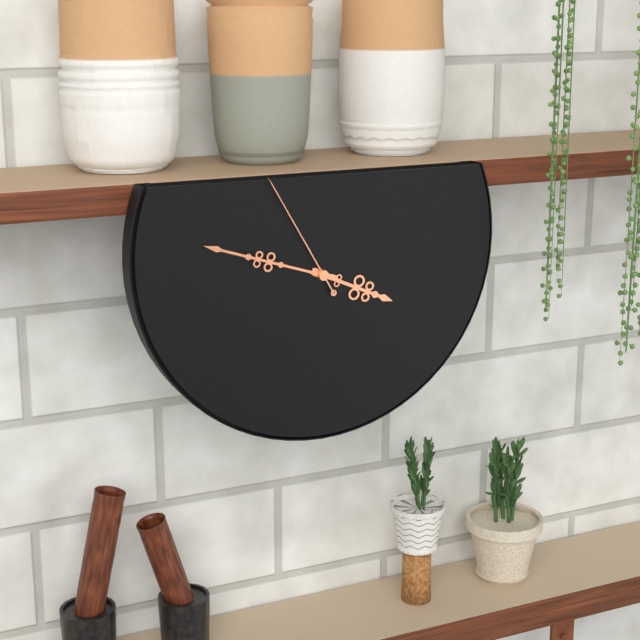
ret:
{"hour": 3, "minute": 48, "second": 55}
